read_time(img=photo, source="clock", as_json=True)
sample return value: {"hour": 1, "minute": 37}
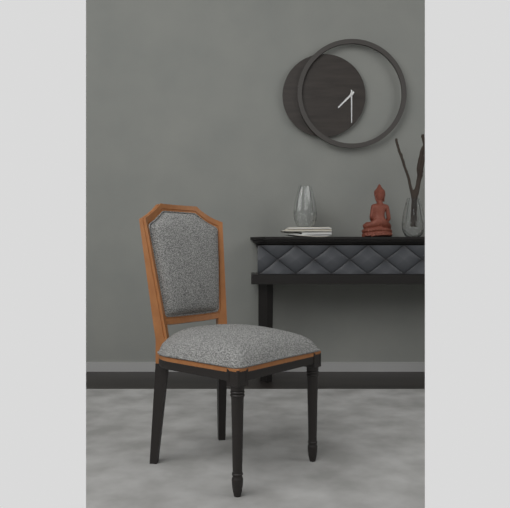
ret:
{"hour": 7, "minute": 30}
